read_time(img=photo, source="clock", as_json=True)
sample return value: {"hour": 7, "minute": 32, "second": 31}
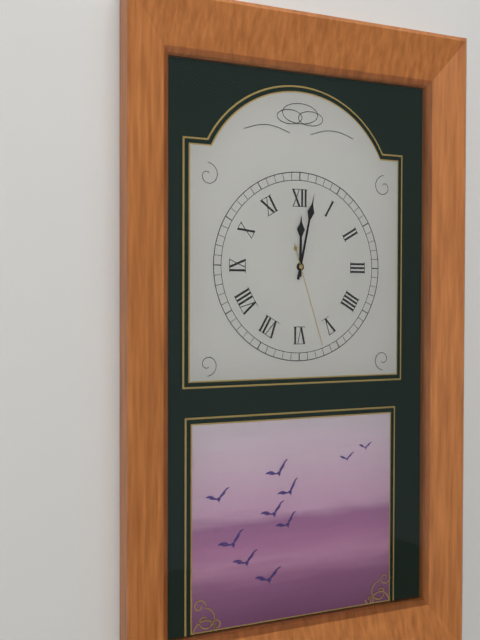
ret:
{"hour": 12, "minute": 2, "second": 27}
